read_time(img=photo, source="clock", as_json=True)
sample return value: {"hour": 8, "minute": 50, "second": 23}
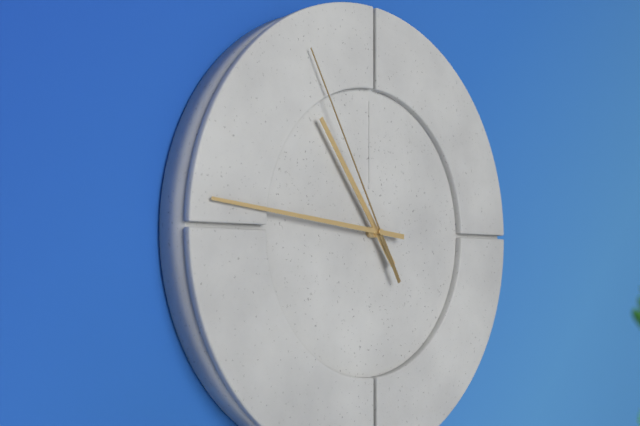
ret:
{"hour": 10, "minute": 46, "second": 55}
